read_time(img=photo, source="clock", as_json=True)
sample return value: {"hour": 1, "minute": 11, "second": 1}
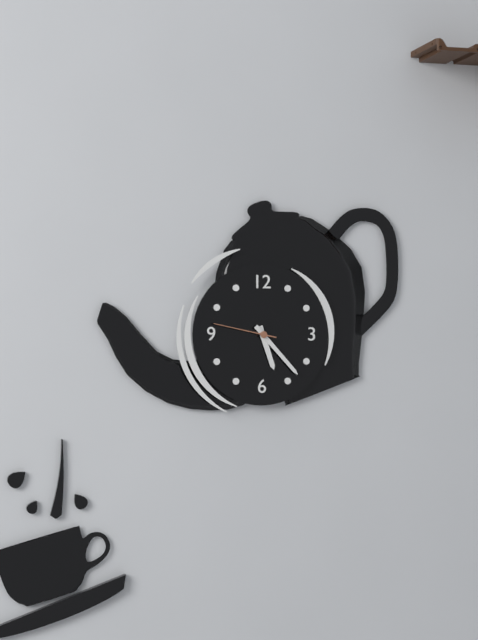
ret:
{"hour": 5, "minute": 23, "second": 47}
